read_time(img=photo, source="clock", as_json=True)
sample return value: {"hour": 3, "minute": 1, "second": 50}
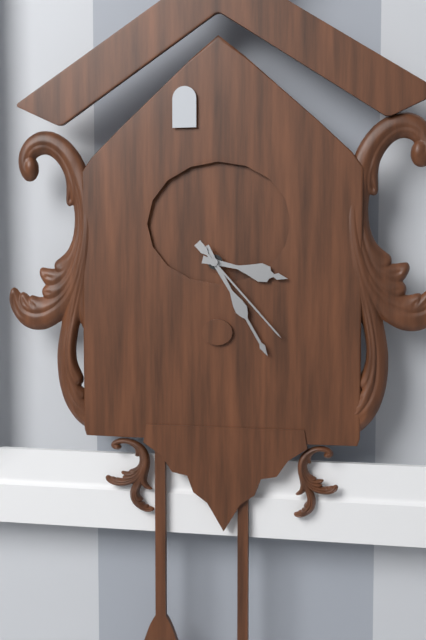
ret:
{"hour": 3, "minute": 25, "second": 23}
